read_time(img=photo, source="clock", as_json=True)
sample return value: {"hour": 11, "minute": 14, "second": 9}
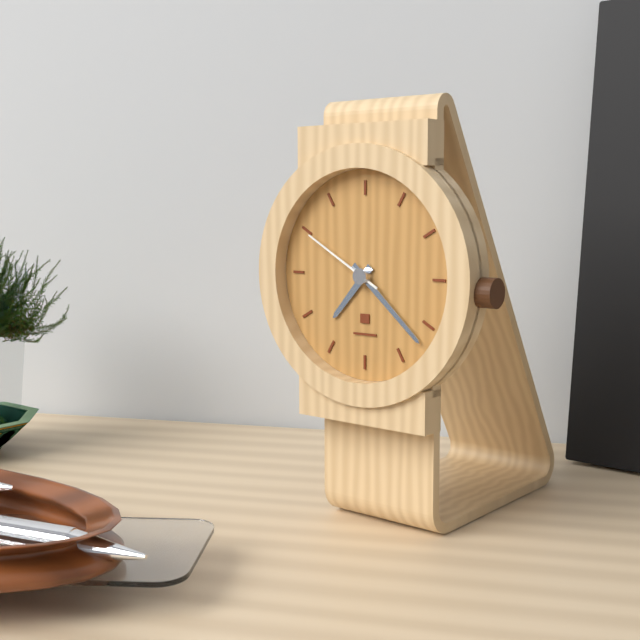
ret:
{"hour": 7, "minute": 22, "second": 50}
